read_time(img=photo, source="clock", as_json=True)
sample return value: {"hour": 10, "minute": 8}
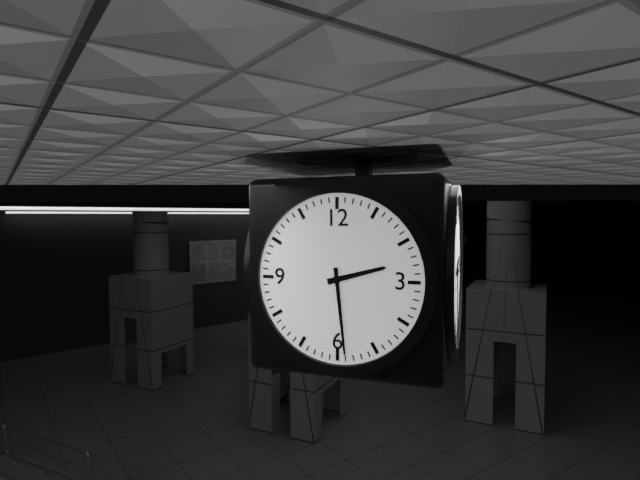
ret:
{"hour": 2, "minute": 29}
